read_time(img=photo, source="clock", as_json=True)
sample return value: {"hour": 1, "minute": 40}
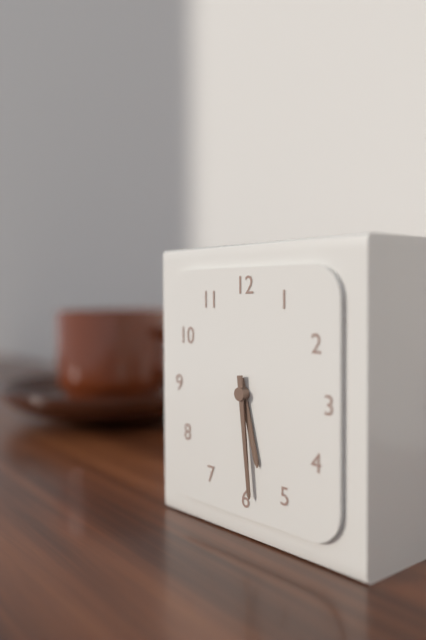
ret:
{"hour": 5, "minute": 29}
